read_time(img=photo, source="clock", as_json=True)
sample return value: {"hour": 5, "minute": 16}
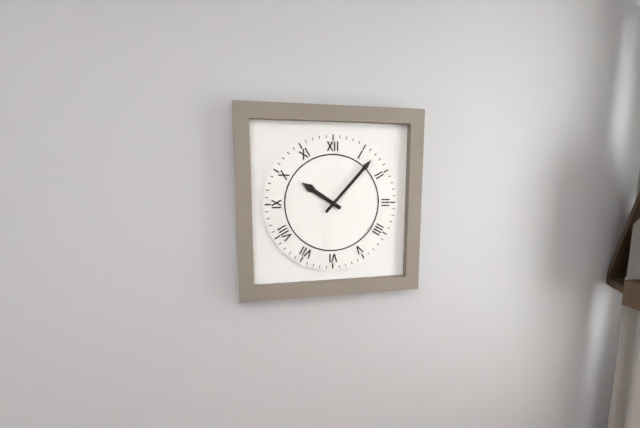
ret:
{"hour": 10, "minute": 7}
